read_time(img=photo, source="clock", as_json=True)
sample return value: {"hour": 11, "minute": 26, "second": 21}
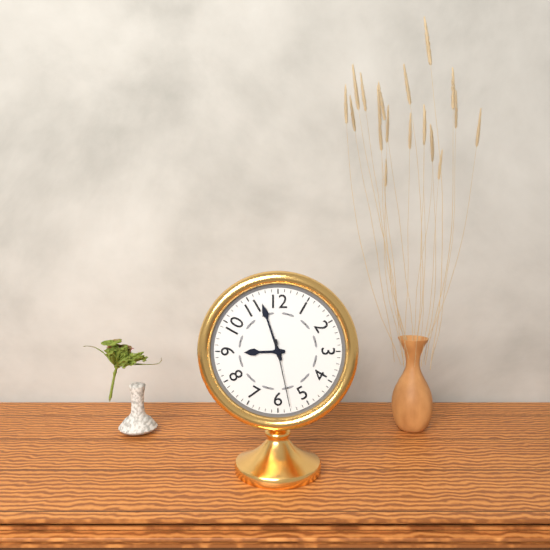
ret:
{"hour": 8, "minute": 57, "second": 28}
